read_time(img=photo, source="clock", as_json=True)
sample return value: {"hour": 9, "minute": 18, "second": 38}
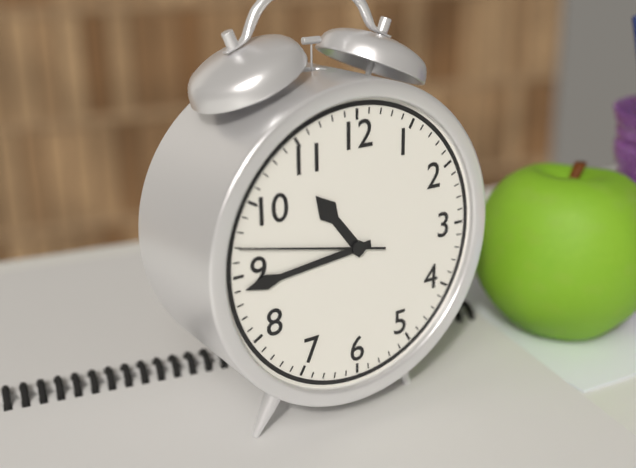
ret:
{"hour": 10, "minute": 44, "second": 47}
